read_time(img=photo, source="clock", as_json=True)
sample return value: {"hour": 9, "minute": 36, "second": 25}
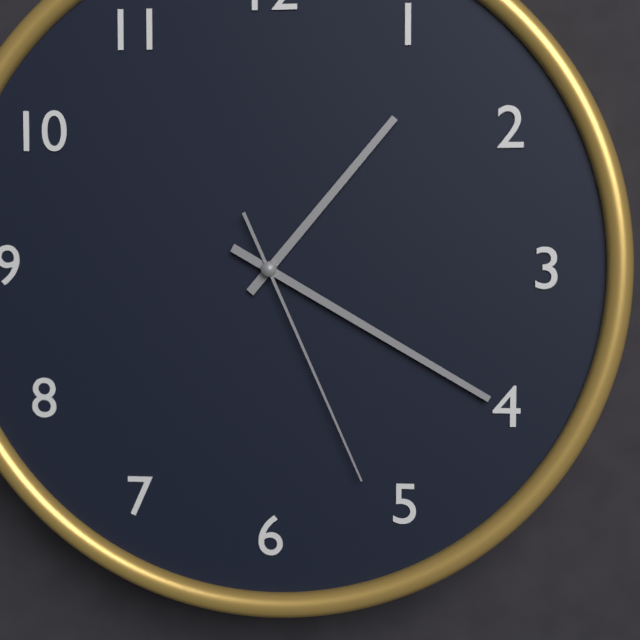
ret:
{"hour": 1, "minute": 20, "second": 26}
